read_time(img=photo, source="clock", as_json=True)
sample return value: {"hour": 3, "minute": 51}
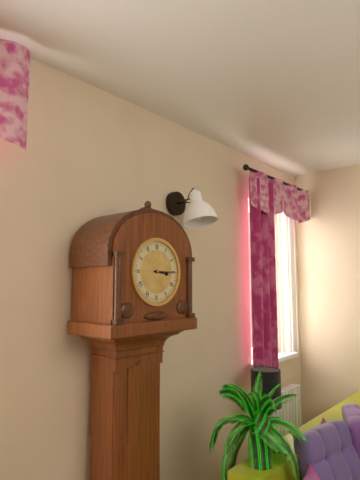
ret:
{"hour": 3, "minute": 15}
